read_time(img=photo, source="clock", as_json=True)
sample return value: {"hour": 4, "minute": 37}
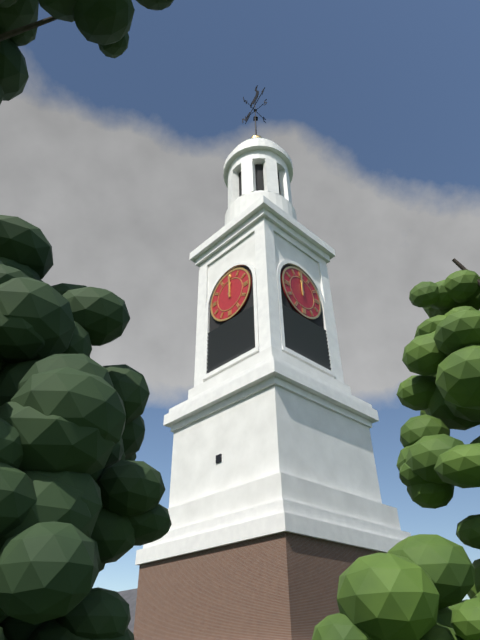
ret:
{"hour": 12, "minute": 0}
